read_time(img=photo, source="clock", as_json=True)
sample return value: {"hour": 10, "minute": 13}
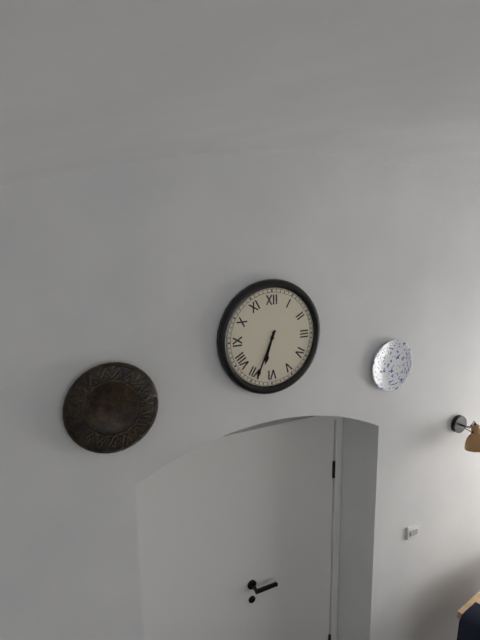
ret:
{"hour": 6, "minute": 34}
